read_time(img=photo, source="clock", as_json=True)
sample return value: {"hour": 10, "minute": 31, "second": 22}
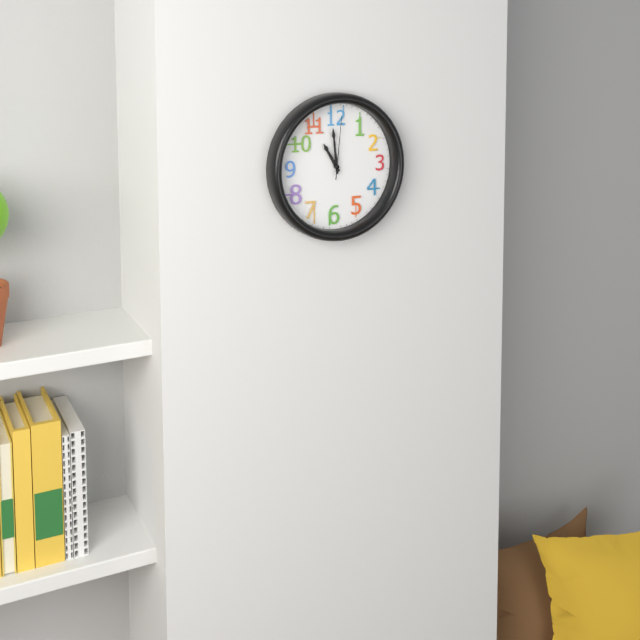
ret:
{"hour": 10, "minute": 59, "second": 1}
